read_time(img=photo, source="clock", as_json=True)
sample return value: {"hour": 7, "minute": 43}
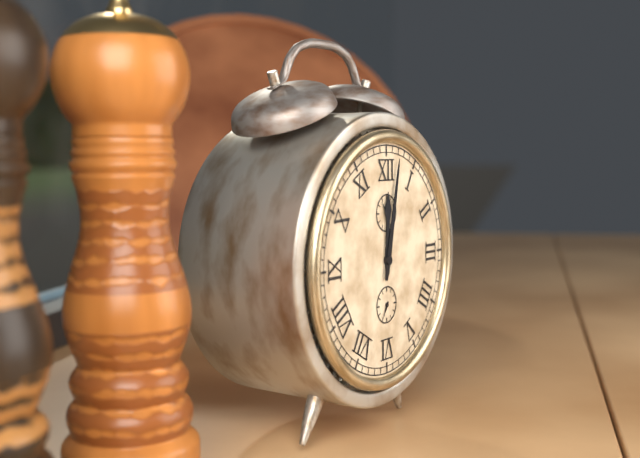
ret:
{"hour": 12, "minute": 2}
